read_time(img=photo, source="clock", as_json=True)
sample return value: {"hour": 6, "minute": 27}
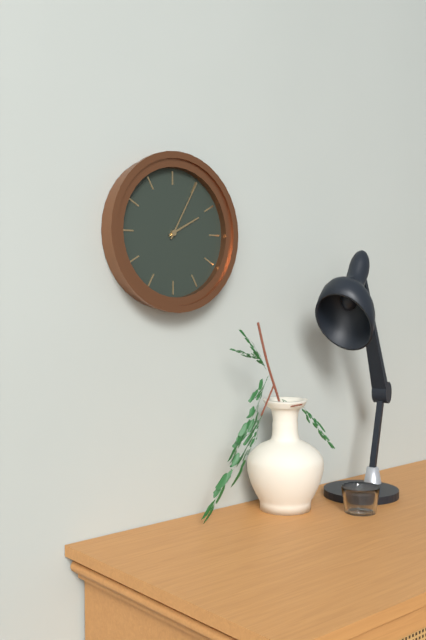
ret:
{"hour": 2, "minute": 5}
